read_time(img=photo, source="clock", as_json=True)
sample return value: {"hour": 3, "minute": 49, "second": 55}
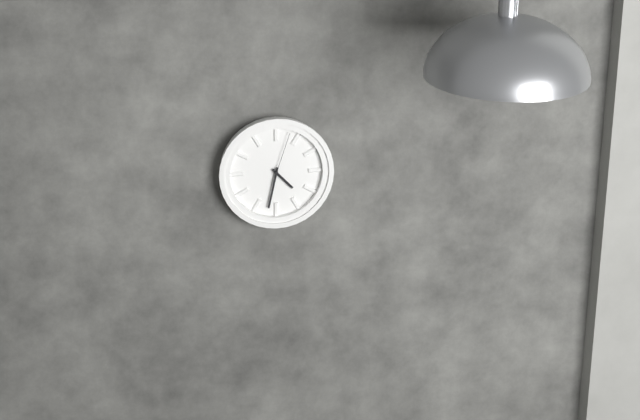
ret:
{"hour": 4, "minute": 32, "second": 3}
